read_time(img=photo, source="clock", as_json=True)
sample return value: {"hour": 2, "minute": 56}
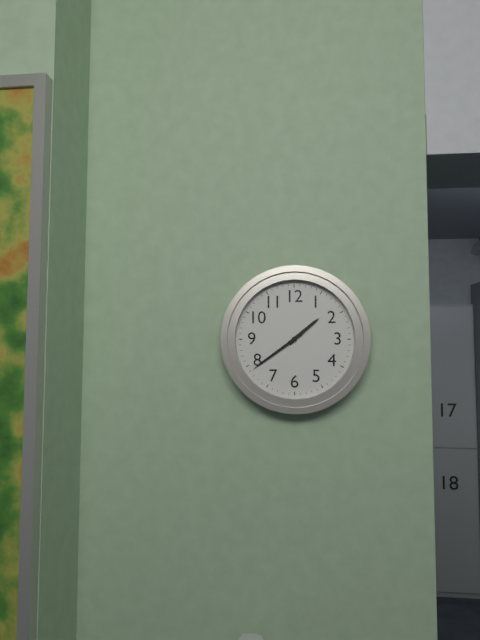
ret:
{"hour": 1, "minute": 39}
